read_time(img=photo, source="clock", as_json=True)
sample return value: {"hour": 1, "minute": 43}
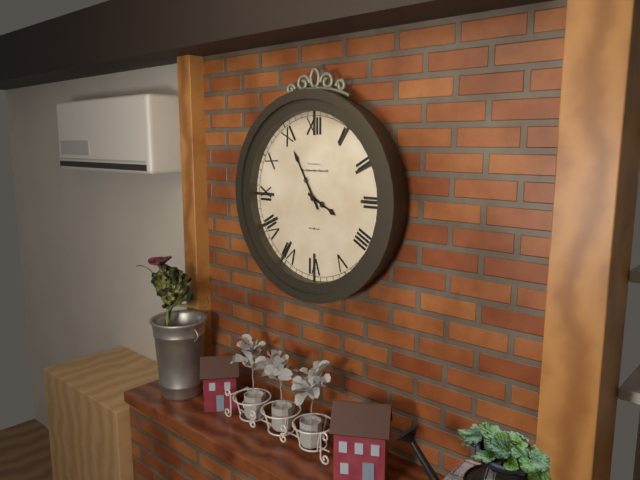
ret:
{"hour": 3, "minute": 55}
